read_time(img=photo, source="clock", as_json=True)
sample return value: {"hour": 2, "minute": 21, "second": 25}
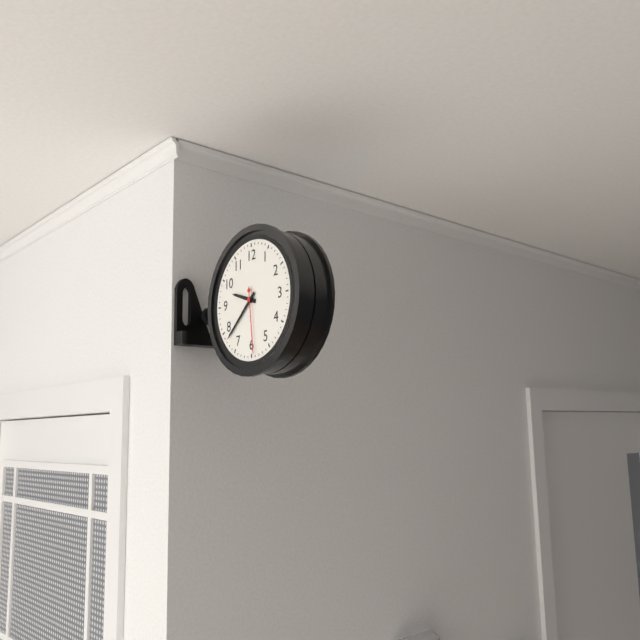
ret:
{"hour": 9, "minute": 38, "second": 29}
